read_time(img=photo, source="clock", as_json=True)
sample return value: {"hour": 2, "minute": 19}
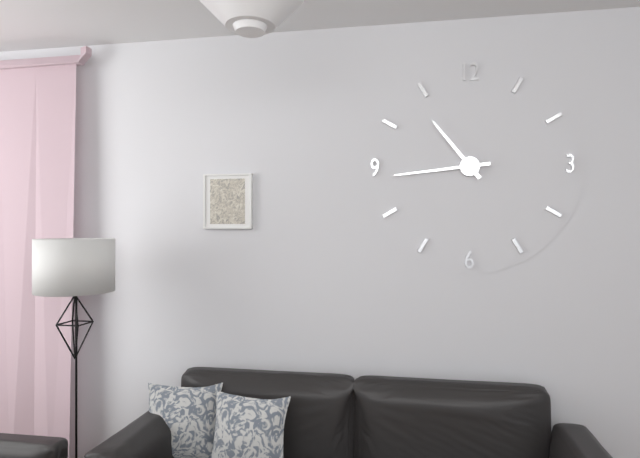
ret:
{"hour": 10, "minute": 44}
